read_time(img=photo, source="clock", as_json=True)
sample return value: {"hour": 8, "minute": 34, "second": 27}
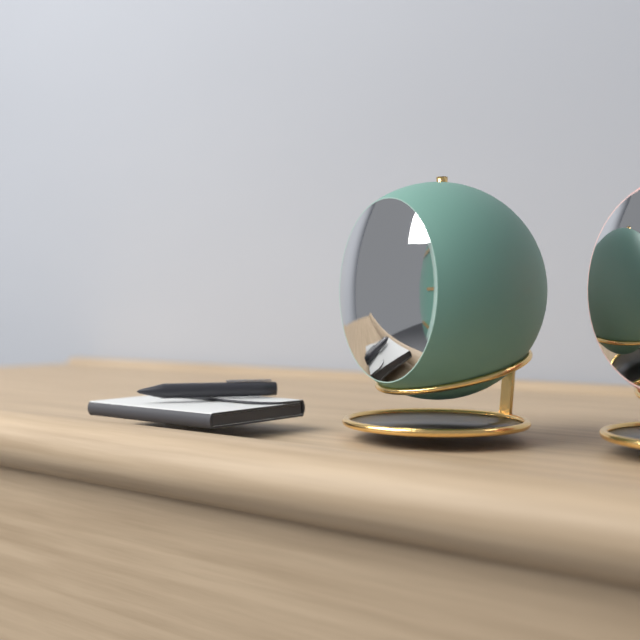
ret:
{"hour": 9, "minute": 34, "second": 47}
